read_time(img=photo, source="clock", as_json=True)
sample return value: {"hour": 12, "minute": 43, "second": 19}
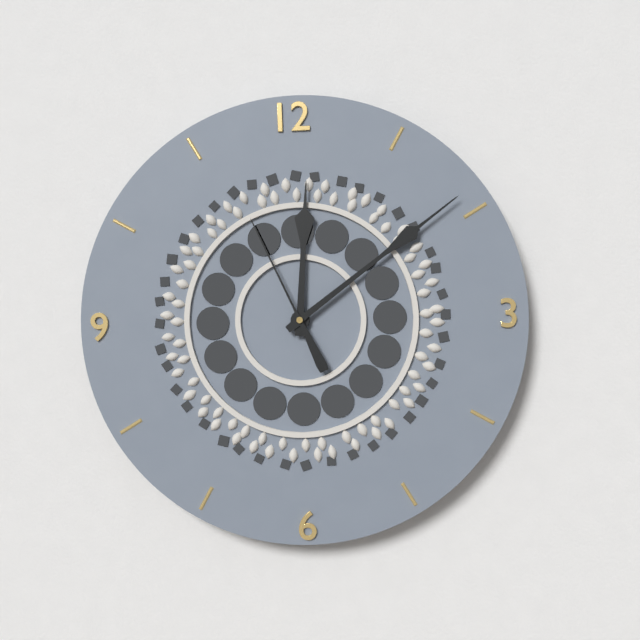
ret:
{"hour": 12, "minute": 9, "second": 56}
